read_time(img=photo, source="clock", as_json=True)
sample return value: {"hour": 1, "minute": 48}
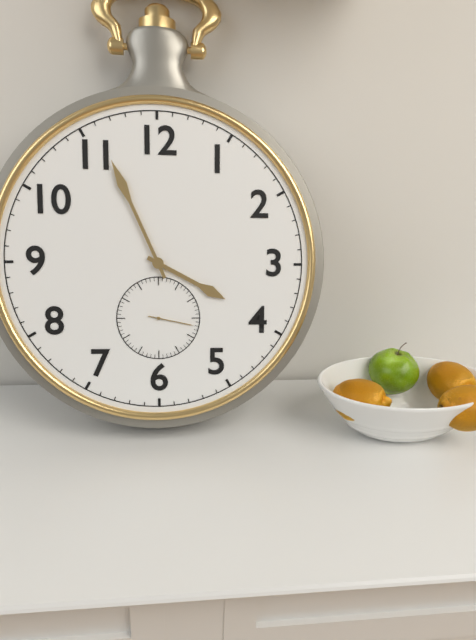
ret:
{"hour": 3, "minute": 56}
